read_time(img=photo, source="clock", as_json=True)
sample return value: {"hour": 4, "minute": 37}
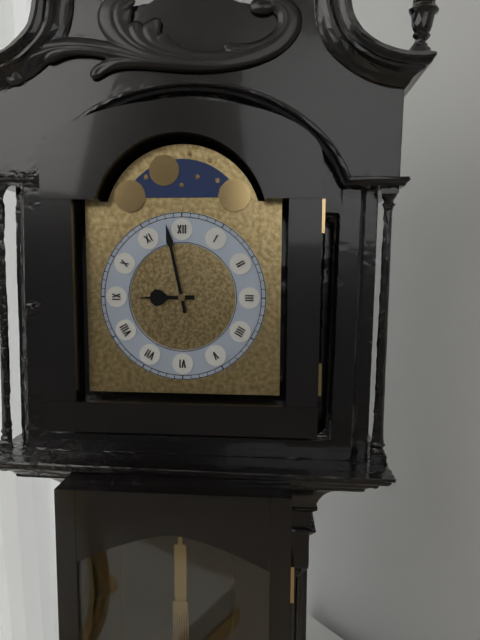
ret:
{"hour": 8, "minute": 58}
